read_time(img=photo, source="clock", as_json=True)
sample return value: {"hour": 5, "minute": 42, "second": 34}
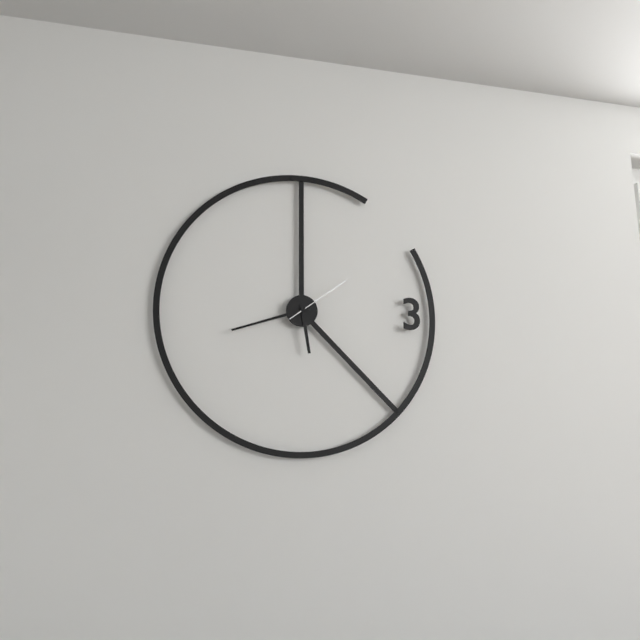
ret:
{"hour": 5, "minute": 42, "second": 9}
